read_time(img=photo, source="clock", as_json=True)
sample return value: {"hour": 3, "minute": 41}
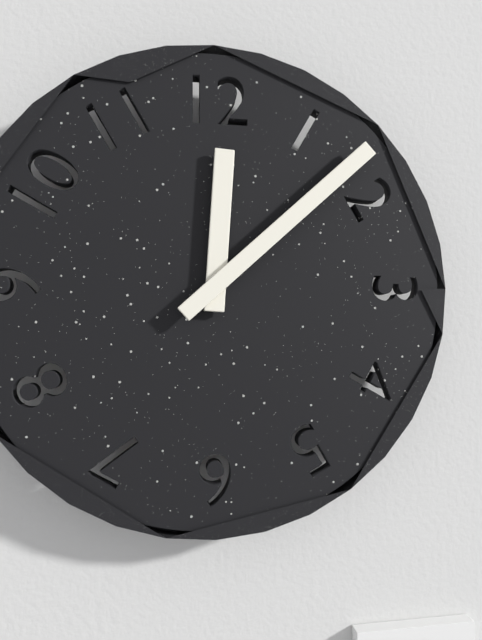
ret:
{"hour": 12, "minute": 8}
